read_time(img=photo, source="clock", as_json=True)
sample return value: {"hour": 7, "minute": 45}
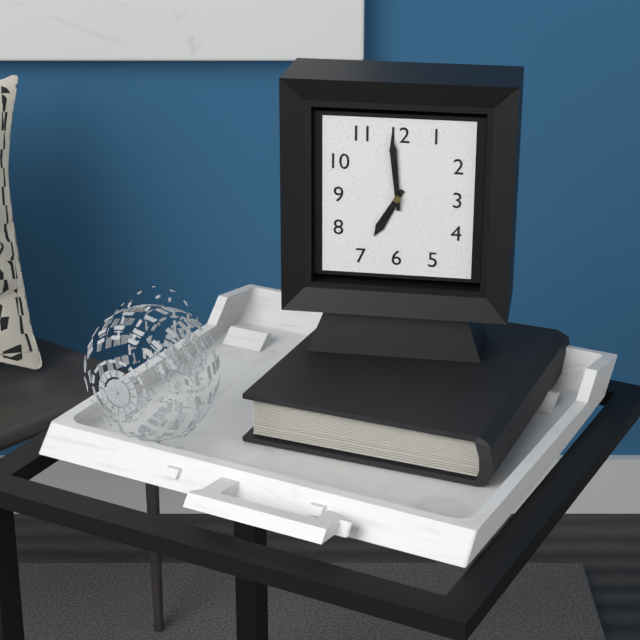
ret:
{"hour": 6, "minute": 59}
